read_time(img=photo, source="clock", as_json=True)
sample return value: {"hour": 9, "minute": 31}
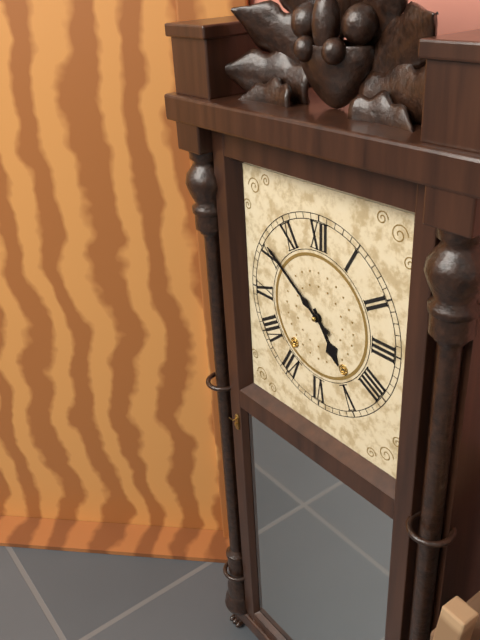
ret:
{"hour": 4, "minute": 51}
